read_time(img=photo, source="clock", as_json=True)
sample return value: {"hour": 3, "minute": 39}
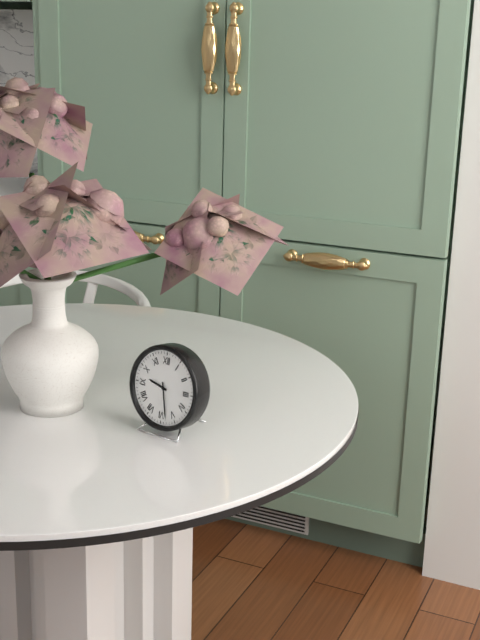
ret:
{"hour": 9, "minute": 28}
